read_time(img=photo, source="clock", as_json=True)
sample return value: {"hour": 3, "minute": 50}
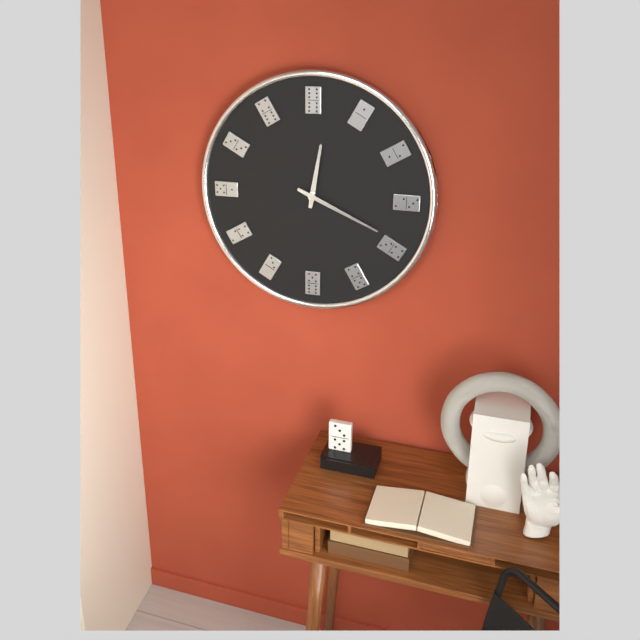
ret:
{"hour": 12, "minute": 19}
